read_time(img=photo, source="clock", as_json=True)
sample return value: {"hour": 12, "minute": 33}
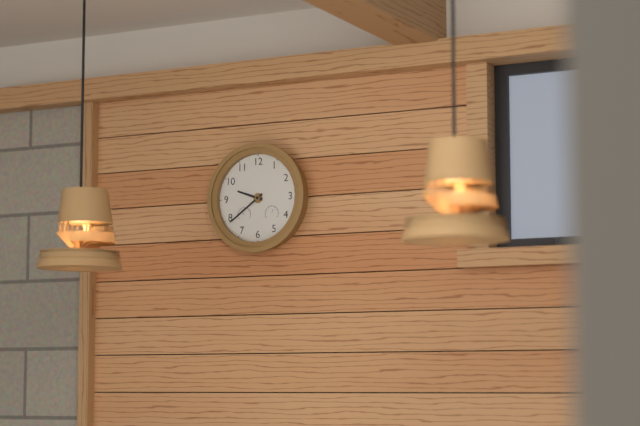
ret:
{"hour": 9, "minute": 39}
